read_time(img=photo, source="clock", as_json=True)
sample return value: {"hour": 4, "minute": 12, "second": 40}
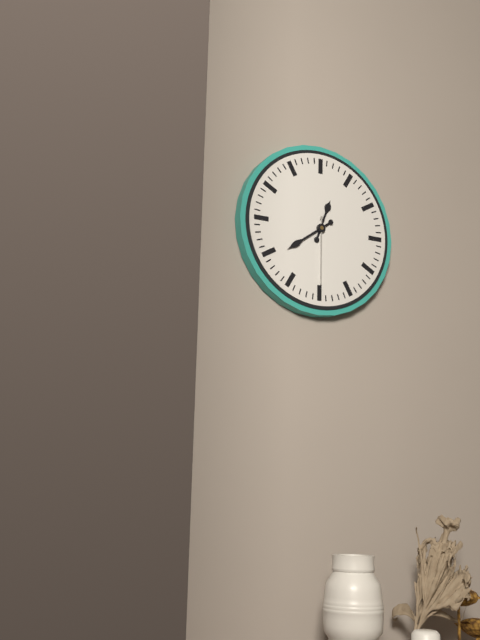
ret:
{"hour": 12, "minute": 39, "second": 30}
